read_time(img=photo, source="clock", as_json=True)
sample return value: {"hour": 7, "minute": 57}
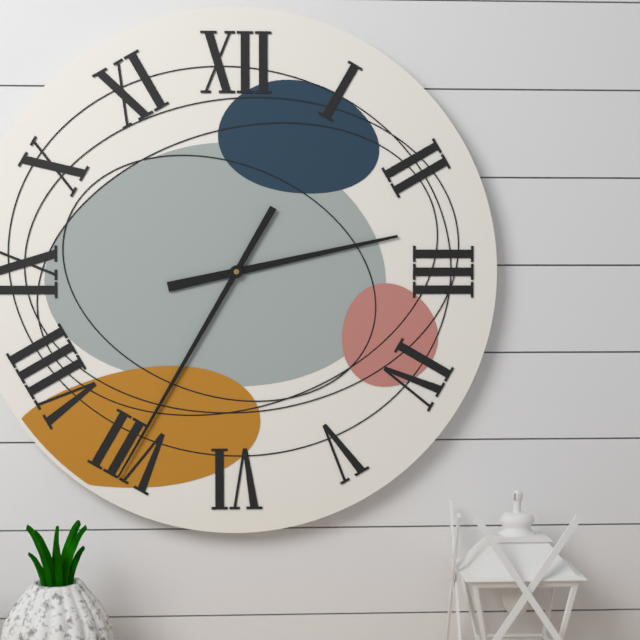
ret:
{"hour": 2, "minute": 35}
